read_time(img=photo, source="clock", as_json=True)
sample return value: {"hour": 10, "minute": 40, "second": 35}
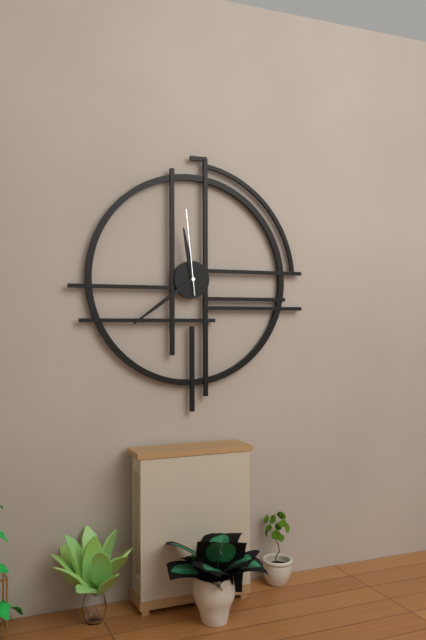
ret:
{"hour": 11, "minute": 39, "second": 59}
